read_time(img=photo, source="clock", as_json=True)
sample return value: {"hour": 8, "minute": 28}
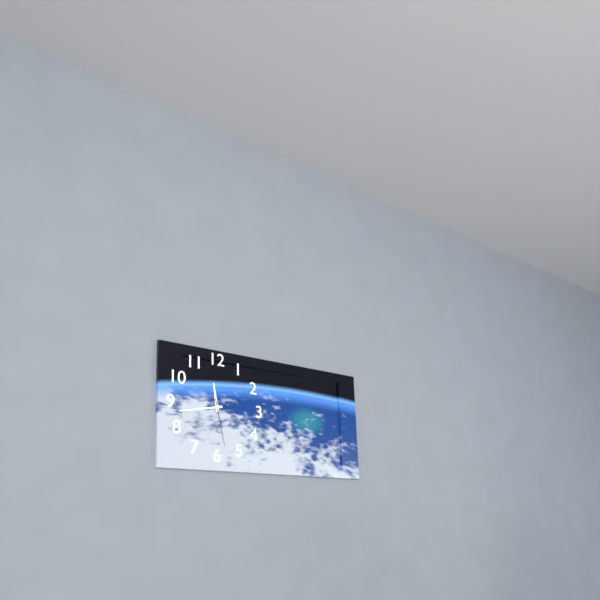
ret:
{"hour": 11, "minute": 43}
